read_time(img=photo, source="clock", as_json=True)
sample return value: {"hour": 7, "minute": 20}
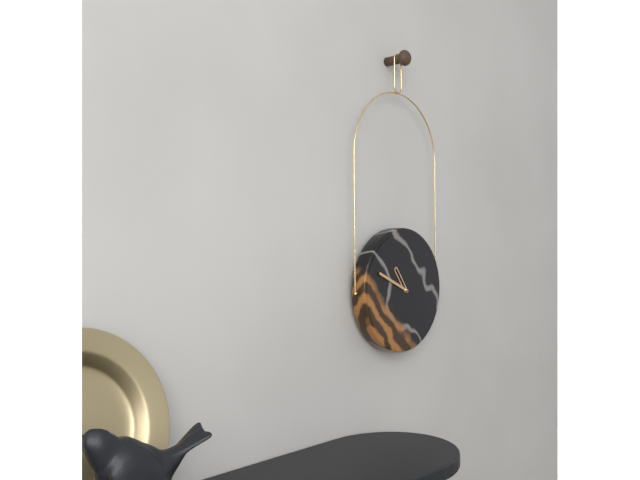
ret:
{"hour": 10, "minute": 49}
